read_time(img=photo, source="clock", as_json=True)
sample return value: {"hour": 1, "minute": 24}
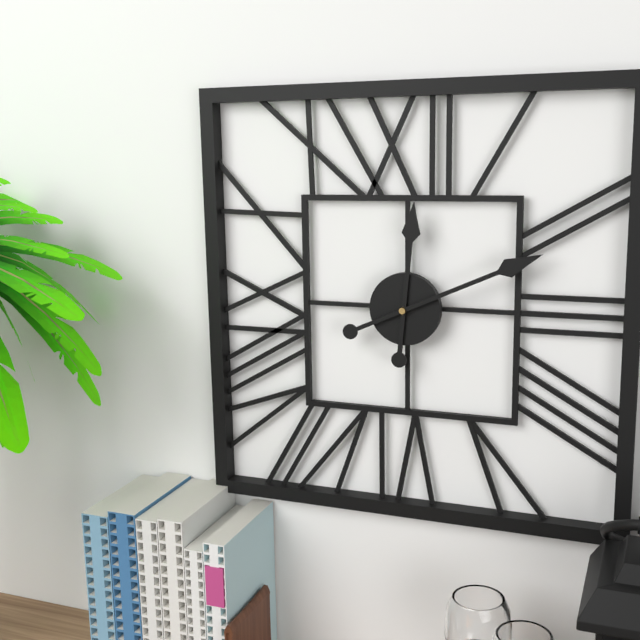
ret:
{"hour": 12, "minute": 11}
